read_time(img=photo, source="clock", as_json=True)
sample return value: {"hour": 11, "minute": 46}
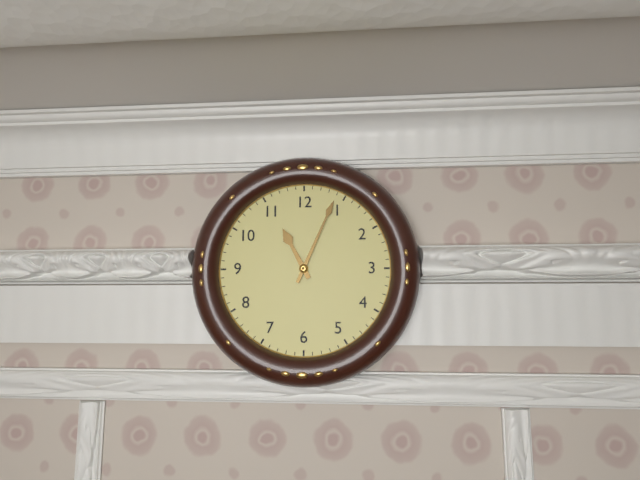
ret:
{"hour": 11, "minute": 4}
